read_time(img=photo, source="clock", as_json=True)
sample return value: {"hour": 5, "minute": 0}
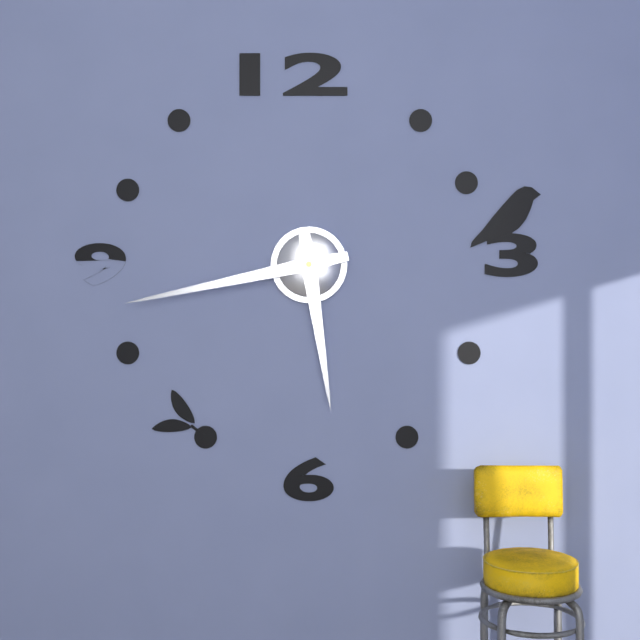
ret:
{"hour": 5, "minute": 43}
